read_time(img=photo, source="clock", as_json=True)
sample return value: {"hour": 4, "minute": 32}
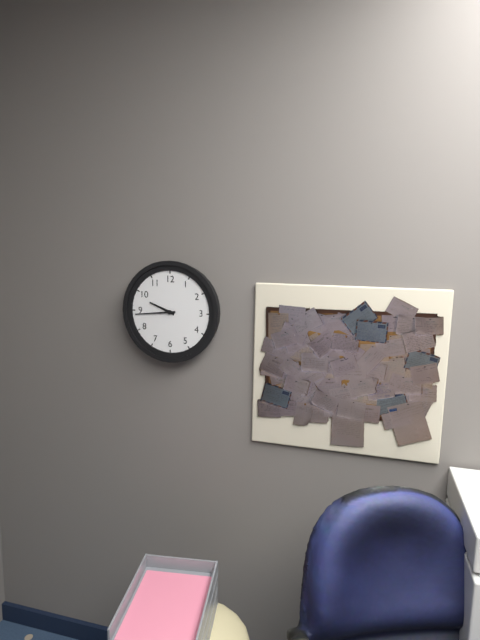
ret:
{"hour": 9, "minute": 44}
